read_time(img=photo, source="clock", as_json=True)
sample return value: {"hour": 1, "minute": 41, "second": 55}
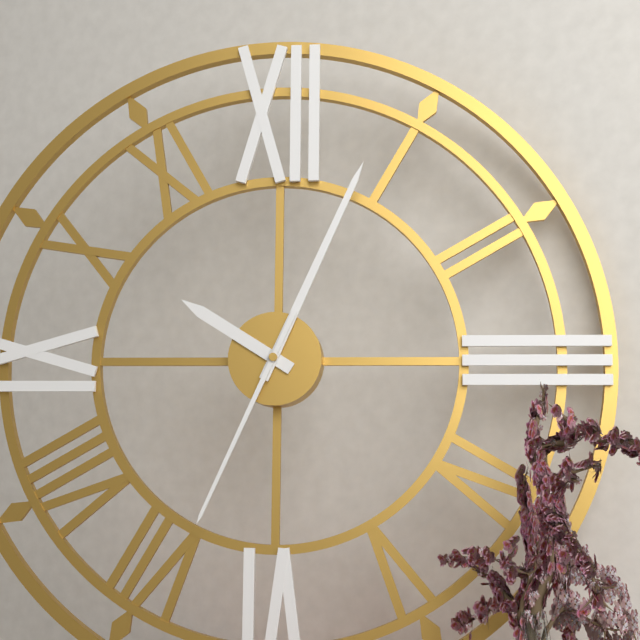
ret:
{"hour": 10, "minute": 4, "second": 34}
